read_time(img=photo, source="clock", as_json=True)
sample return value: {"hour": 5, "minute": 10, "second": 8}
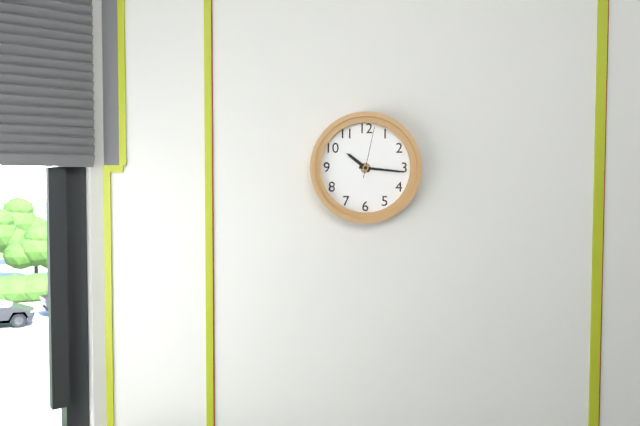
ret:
{"hour": 10, "minute": 16, "second": 2}
